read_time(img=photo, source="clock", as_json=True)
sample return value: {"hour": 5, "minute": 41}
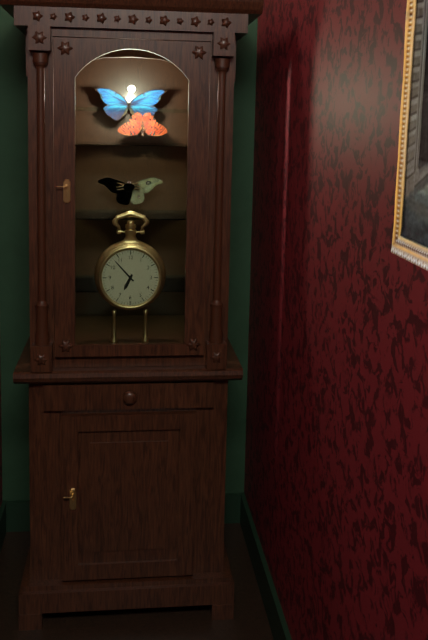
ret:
{"hour": 6, "minute": 53}
